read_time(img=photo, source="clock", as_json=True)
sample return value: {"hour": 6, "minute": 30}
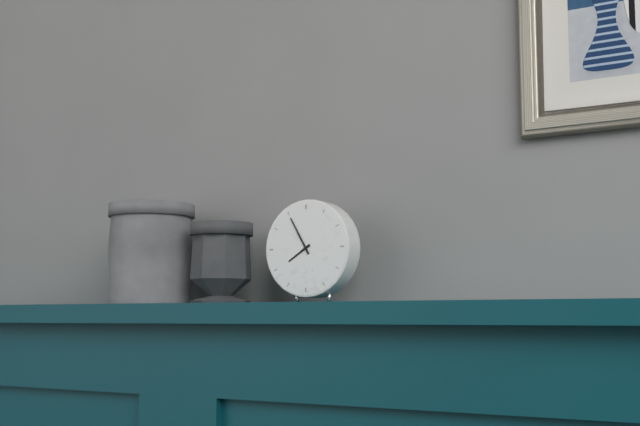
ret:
{"hour": 7, "minute": 55}
